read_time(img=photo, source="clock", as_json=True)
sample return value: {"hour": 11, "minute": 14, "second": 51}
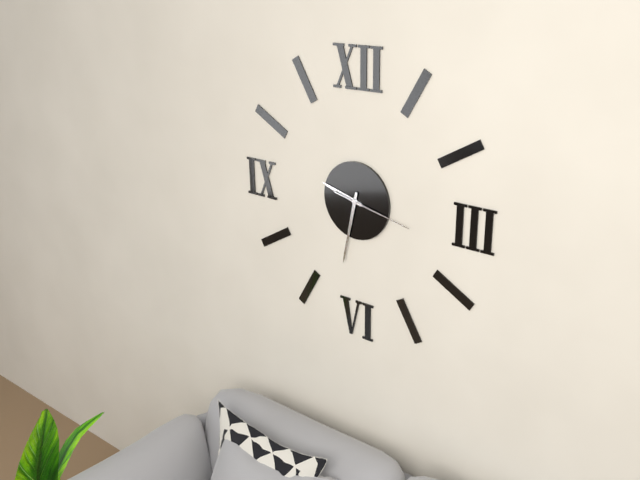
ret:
{"hour": 9, "minute": 32, "second": 17}
